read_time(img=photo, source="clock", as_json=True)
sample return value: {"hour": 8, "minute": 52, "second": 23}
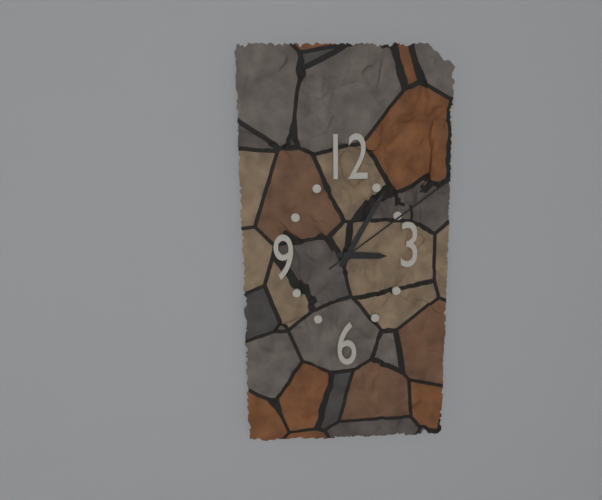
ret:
{"hour": 3, "minute": 5, "second": 9}
